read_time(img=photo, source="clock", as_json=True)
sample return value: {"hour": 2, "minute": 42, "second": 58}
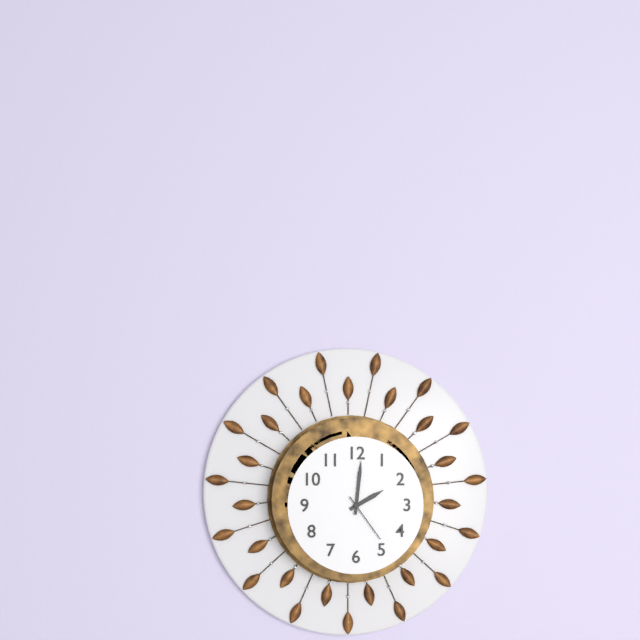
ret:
{"hour": 2, "minute": 1, "second": 24}
